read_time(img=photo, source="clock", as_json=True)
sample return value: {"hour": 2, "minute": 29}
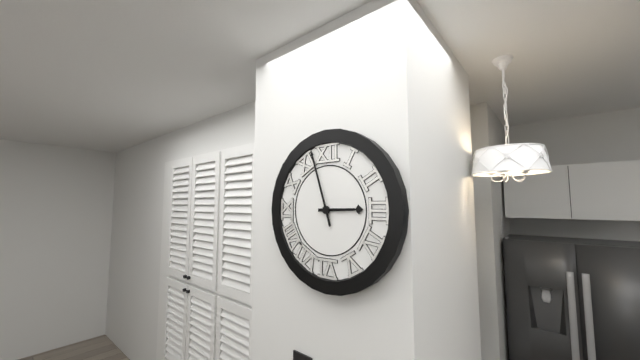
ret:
{"hour": 2, "minute": 57}
